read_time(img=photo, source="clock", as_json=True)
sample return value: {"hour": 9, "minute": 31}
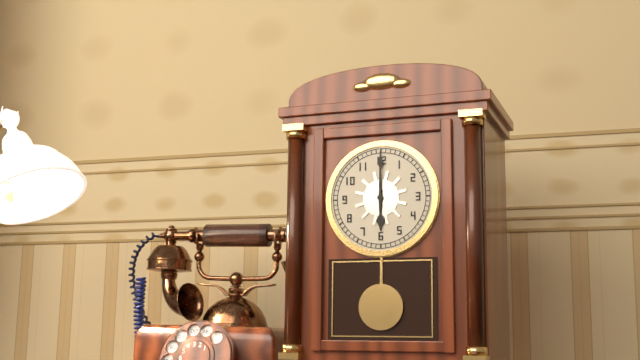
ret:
{"hour": 6, "minute": 0}
